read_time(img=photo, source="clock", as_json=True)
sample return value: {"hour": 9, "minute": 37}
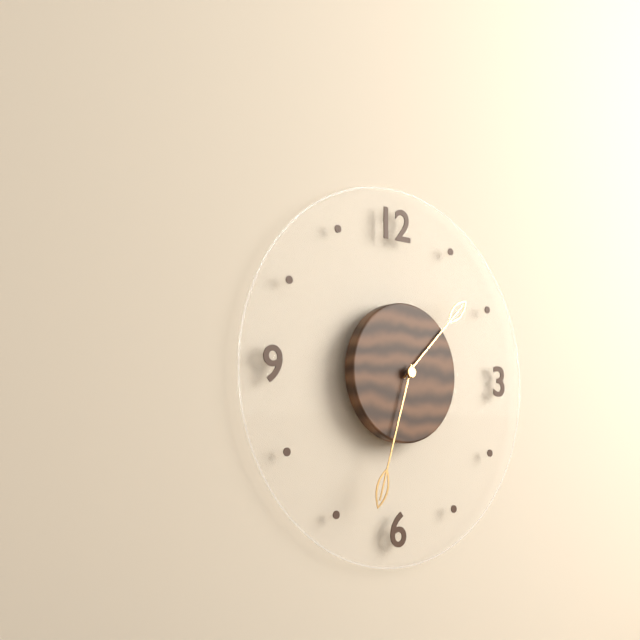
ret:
{"hour": 1, "minute": 33}
